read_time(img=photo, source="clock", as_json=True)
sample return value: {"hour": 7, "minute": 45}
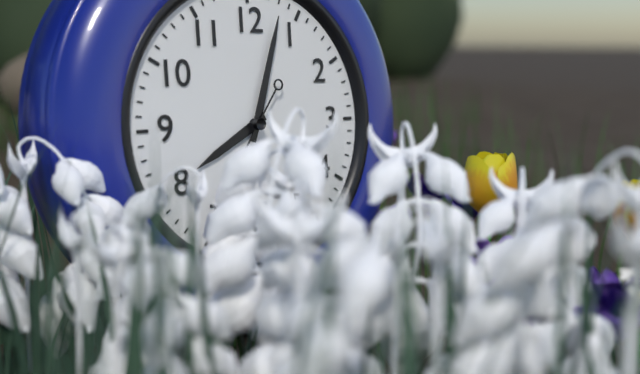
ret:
{"hour": 8, "minute": 3}
